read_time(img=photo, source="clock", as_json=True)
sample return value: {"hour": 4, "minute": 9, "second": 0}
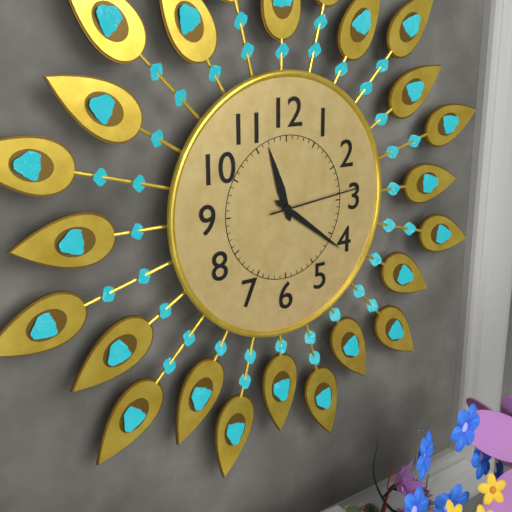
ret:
{"hour": 11, "minute": 21, "second": 14}
